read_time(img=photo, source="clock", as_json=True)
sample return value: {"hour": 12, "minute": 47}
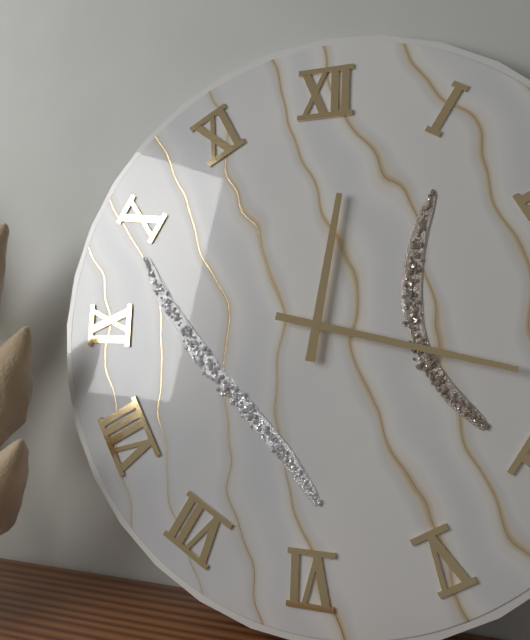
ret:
{"hour": 12, "minute": 17}
